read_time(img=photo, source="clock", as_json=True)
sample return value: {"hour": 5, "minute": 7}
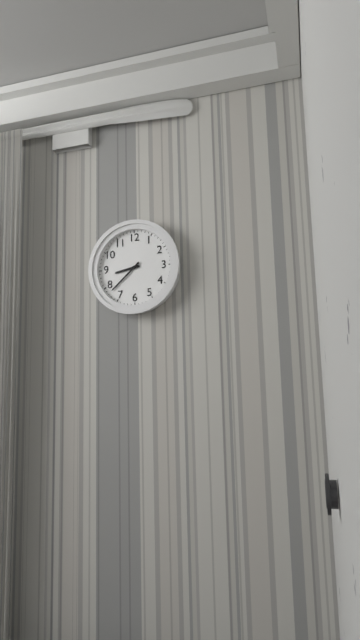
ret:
{"hour": 8, "minute": 38}
